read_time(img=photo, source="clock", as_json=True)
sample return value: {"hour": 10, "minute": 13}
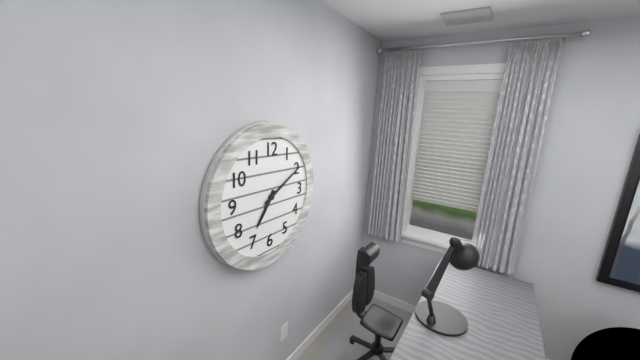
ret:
{"hour": 7, "minute": 10}
